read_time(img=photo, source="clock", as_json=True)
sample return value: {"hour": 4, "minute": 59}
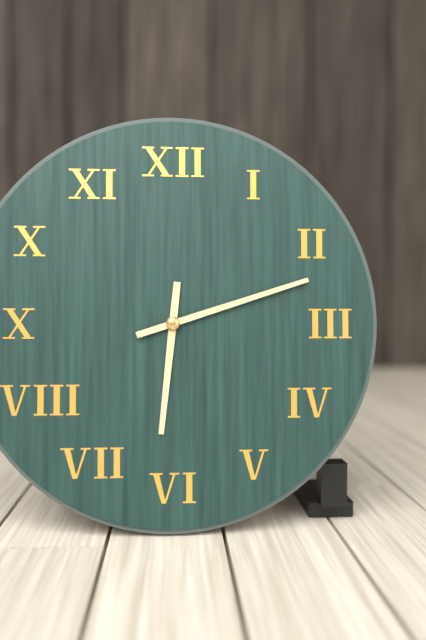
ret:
{"hour": 6, "minute": 12}
